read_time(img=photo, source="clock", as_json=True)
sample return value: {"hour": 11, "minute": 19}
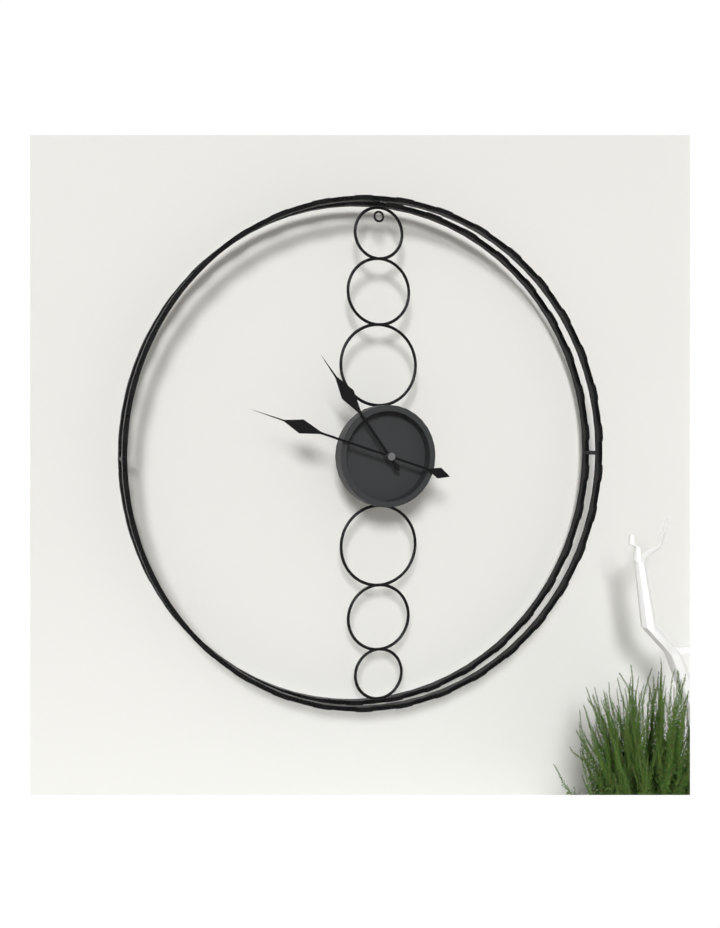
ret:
{"hour": 10, "minute": 48}
